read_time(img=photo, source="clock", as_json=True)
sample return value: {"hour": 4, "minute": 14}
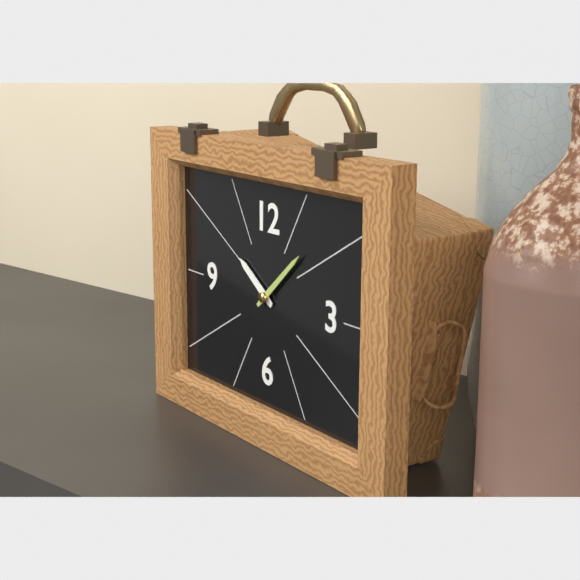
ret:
{"hour": 10, "minute": 8}
